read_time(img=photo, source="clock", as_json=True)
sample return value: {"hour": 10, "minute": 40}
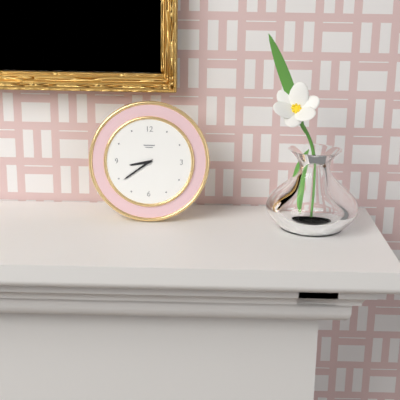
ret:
{"hour": 8, "minute": 39}
